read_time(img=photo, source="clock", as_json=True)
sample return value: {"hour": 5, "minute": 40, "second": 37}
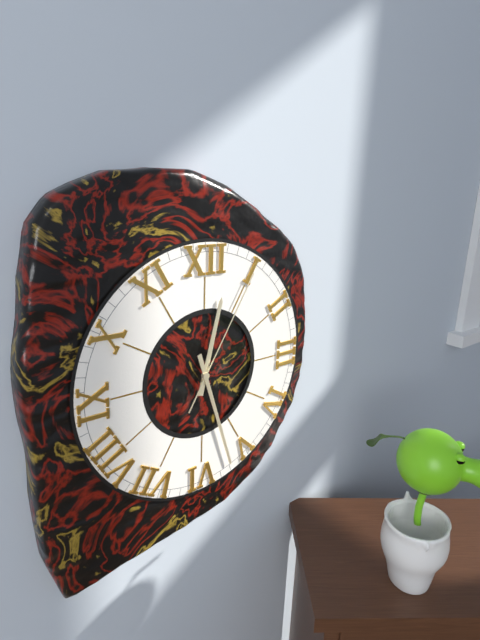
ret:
{"hour": 12, "minute": 27, "second": 5}
